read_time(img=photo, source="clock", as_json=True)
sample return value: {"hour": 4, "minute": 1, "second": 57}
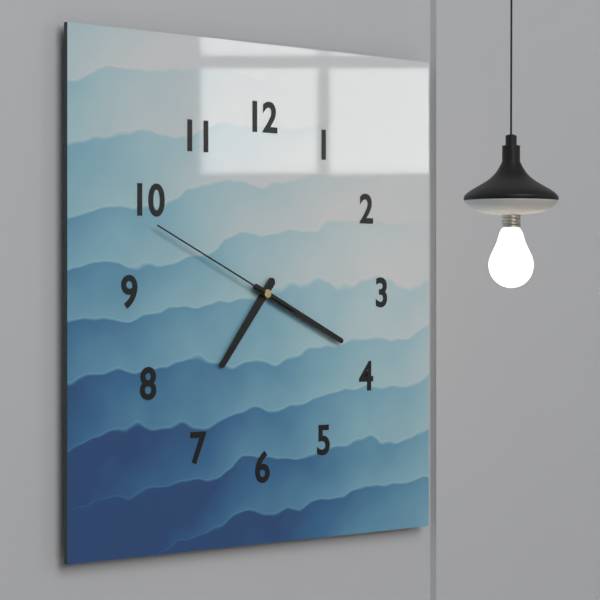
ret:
{"hour": 7, "minute": 19, "second": 49}
